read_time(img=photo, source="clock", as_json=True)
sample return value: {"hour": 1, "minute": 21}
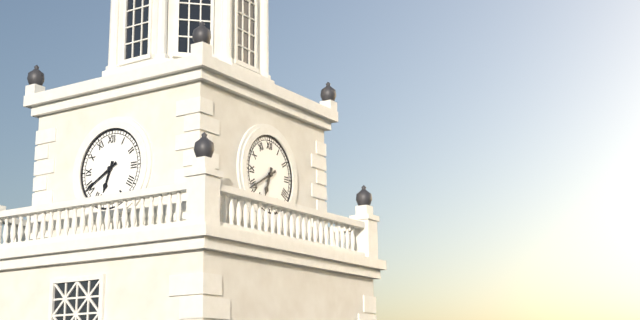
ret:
{"hour": 6, "minute": 40}
